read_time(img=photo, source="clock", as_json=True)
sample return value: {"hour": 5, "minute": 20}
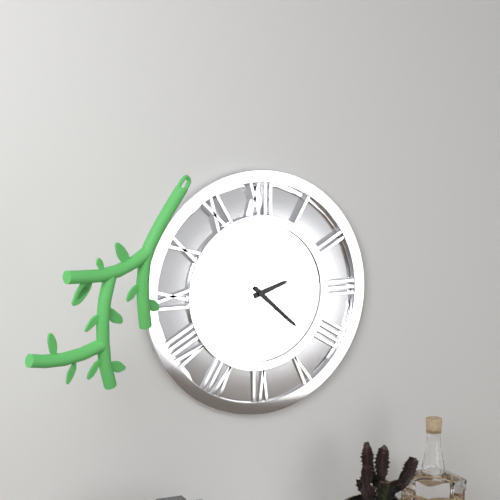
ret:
{"hour": 2, "minute": 22}
